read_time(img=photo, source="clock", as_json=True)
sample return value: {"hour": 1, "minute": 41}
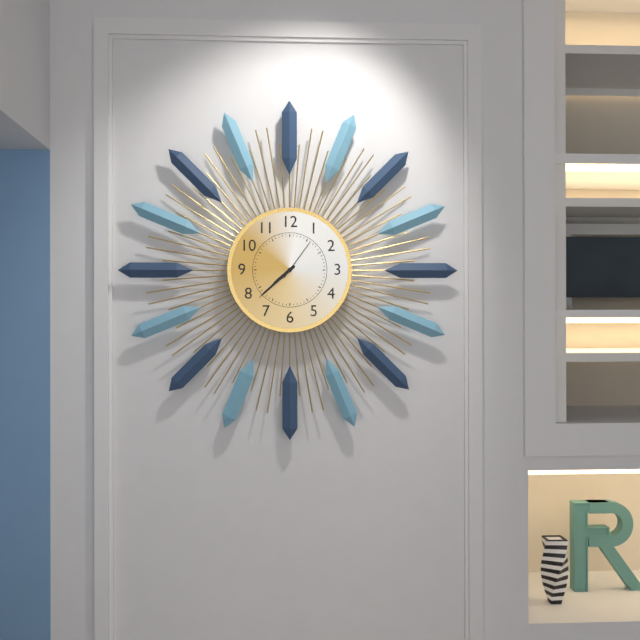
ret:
{"hour": 7, "minute": 38}
